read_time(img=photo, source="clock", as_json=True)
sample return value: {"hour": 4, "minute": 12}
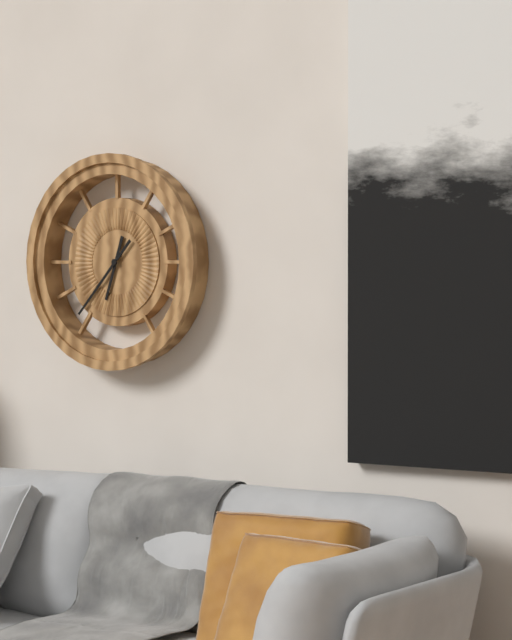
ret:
{"hour": 6, "minute": 37}
